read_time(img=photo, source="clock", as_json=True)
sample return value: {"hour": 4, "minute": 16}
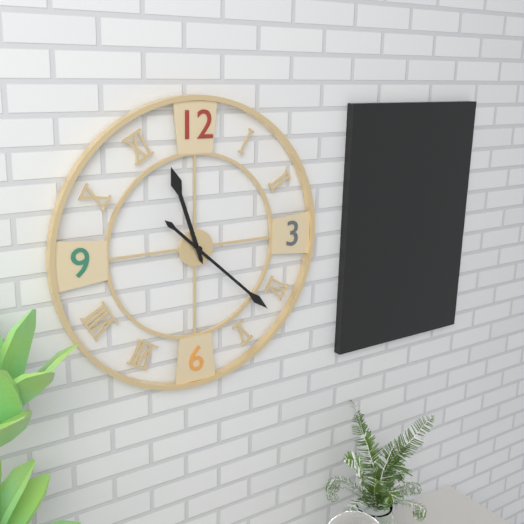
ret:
{"hour": 11, "minute": 22}
